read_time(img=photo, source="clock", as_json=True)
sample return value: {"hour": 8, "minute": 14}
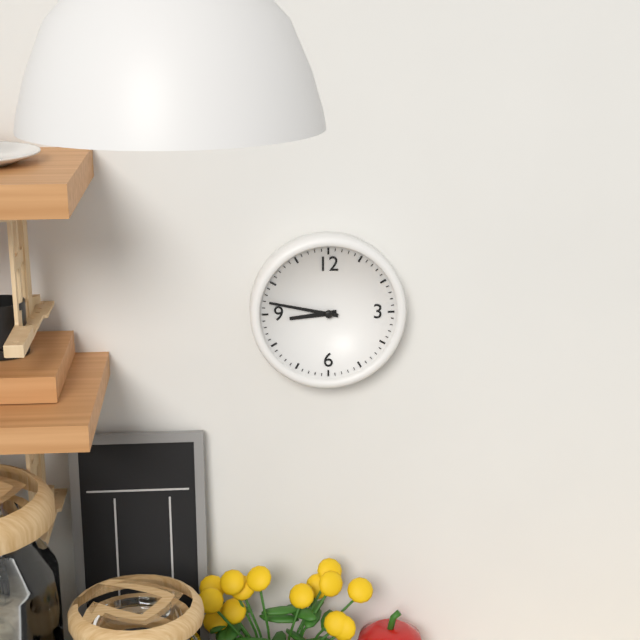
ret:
{"hour": 8, "minute": 47}
